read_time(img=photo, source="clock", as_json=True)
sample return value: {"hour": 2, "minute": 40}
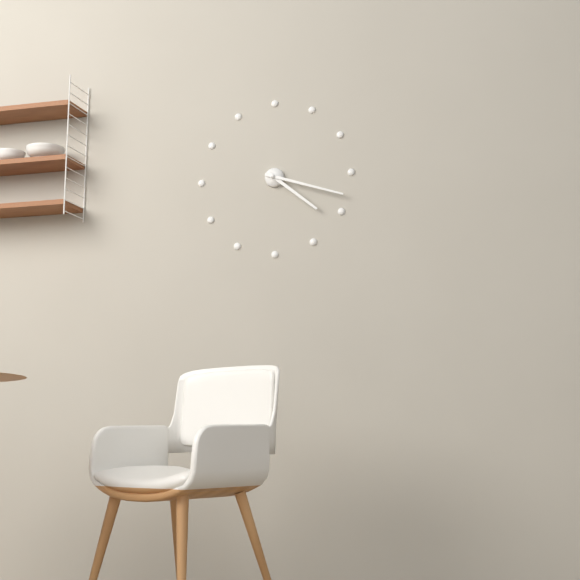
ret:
{"hour": 4, "minute": 18}
